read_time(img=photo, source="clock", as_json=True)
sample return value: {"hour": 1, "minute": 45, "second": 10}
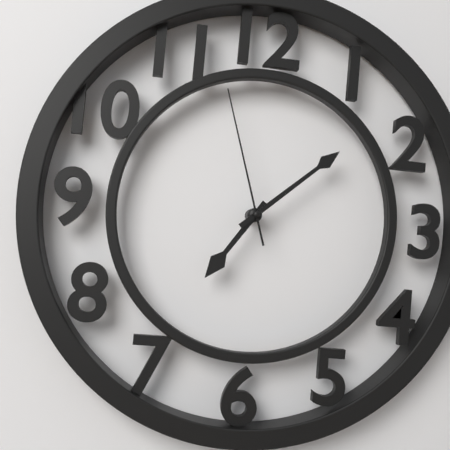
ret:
{"hour": 7, "minute": 8, "second": 57}
